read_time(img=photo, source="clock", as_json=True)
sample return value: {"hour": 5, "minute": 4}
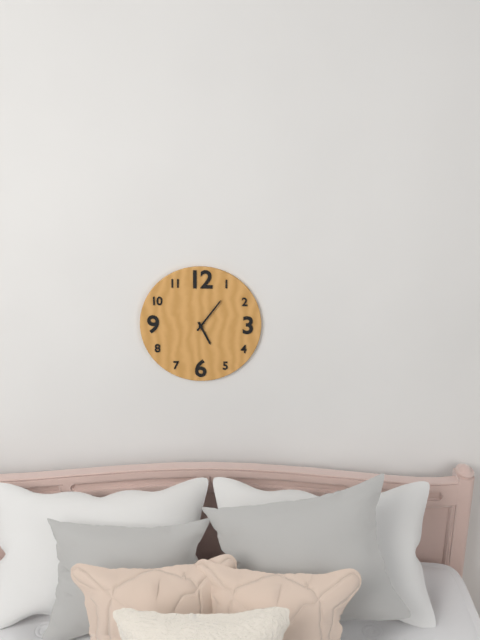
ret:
{"hour": 5, "minute": 6}
